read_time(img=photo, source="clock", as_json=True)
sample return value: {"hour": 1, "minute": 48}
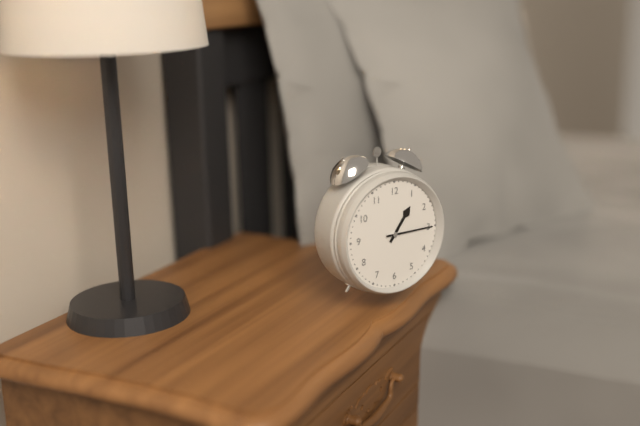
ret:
{"hour": 1, "minute": 15}
